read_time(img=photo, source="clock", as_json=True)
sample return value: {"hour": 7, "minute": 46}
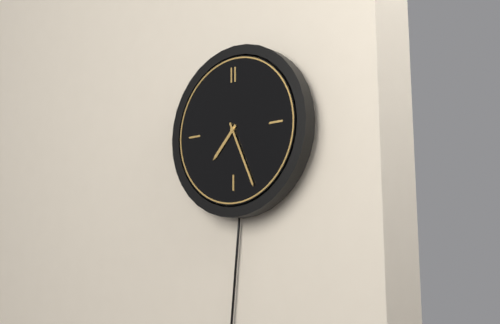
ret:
{"hour": 7, "minute": 26}
